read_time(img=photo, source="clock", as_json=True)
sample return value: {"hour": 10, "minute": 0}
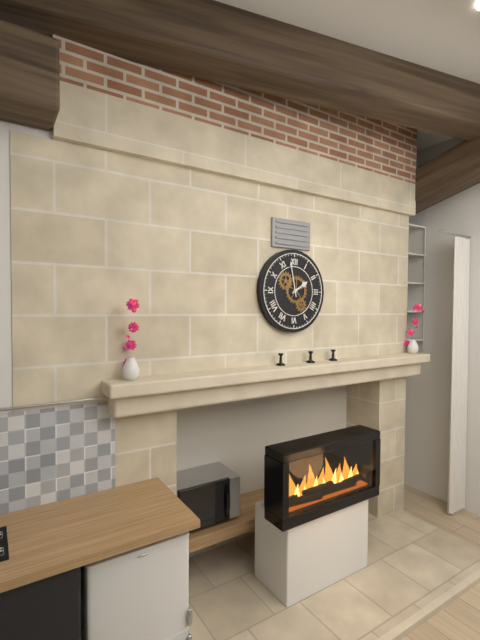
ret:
{"hour": 1, "minute": 58}
